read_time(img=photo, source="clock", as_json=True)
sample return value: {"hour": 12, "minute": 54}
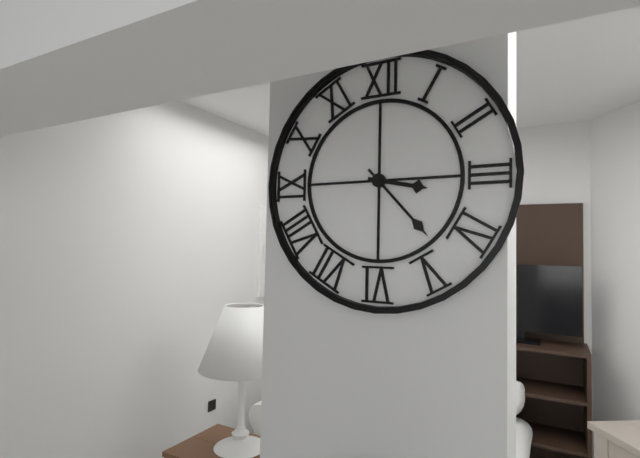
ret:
{"hour": 3, "minute": 23}
